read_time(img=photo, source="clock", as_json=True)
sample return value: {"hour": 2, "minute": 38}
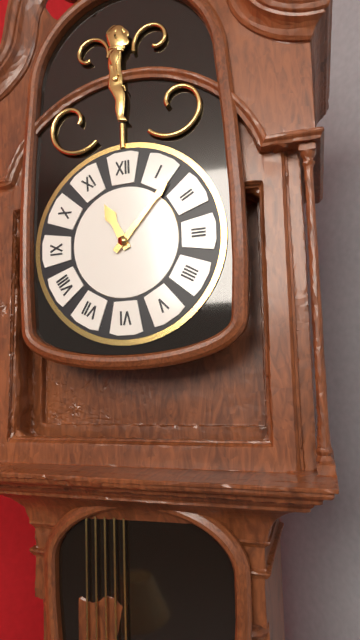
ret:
{"hour": 11, "minute": 7}
